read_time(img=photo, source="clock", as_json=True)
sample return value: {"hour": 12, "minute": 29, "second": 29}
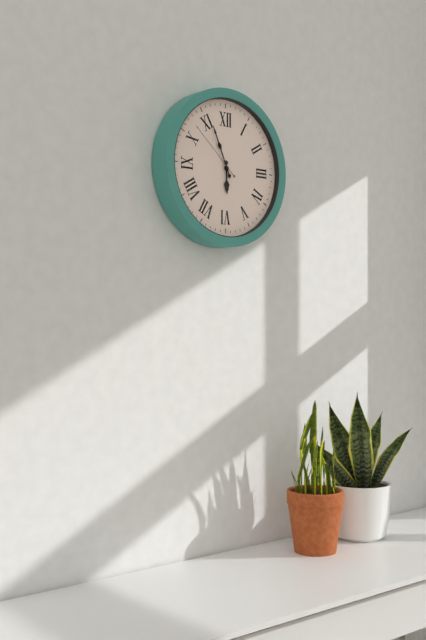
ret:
{"hour": 5, "minute": 56, "second": 52}
